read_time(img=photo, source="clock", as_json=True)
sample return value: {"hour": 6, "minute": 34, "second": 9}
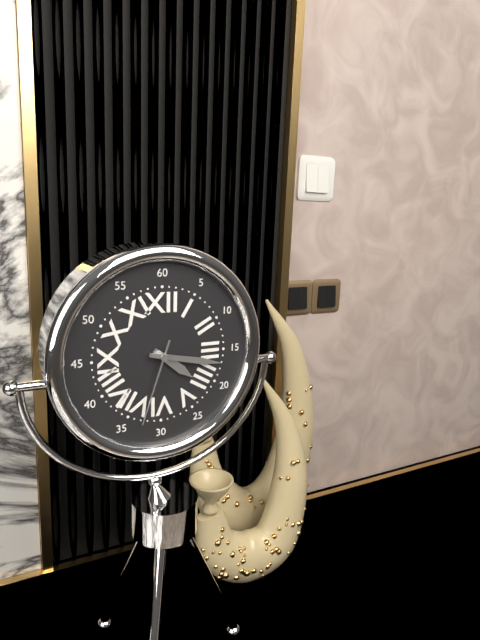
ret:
{"hour": 4, "minute": 17, "second": 33}
